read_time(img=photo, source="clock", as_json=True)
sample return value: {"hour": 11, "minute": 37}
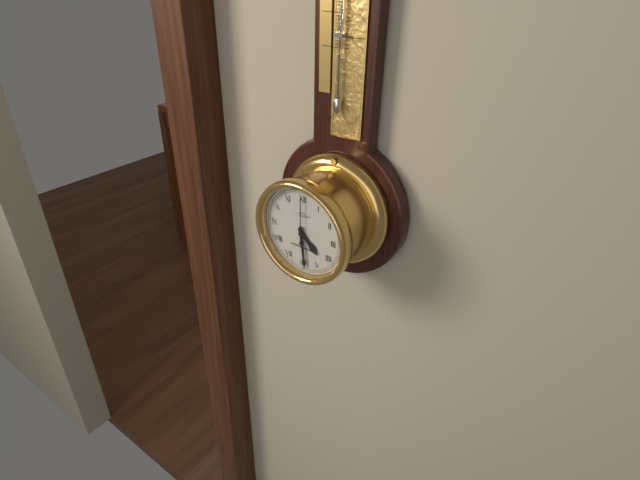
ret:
{"hour": 4, "minute": 29}
